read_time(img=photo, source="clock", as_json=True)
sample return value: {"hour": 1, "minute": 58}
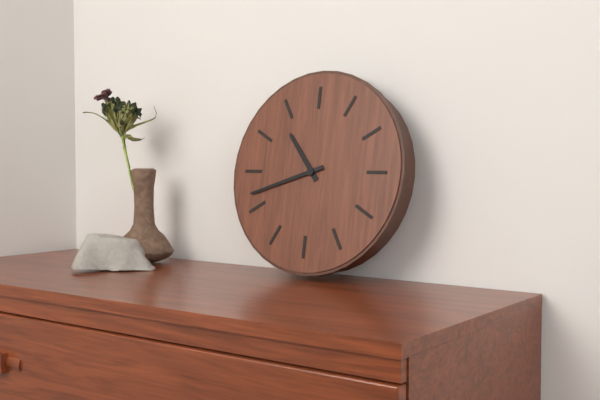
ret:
{"hour": 10, "minute": 42}
